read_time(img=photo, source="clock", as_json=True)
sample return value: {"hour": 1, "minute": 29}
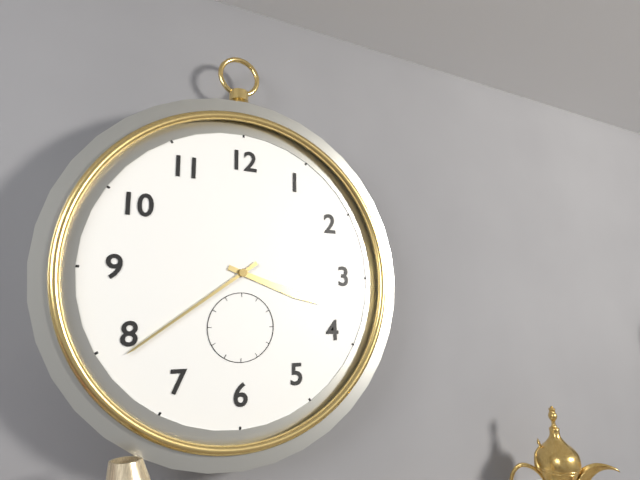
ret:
{"hour": 3, "minute": 39}
